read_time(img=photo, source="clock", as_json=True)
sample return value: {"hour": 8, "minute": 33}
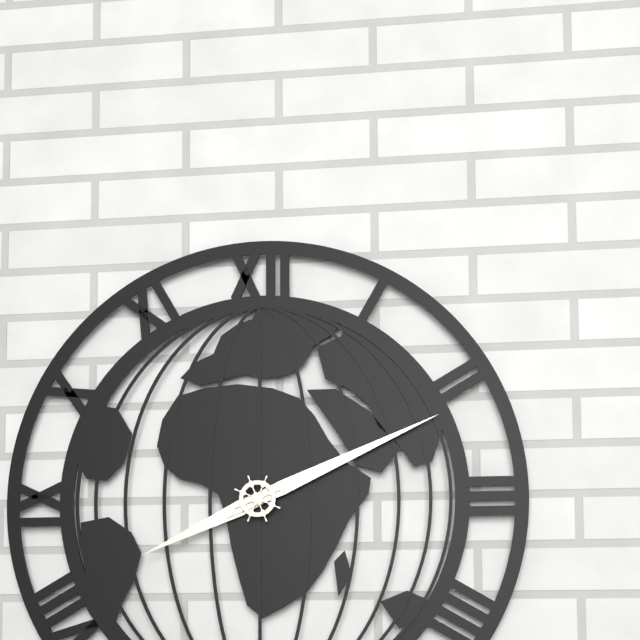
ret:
{"hour": 8, "minute": 11}
